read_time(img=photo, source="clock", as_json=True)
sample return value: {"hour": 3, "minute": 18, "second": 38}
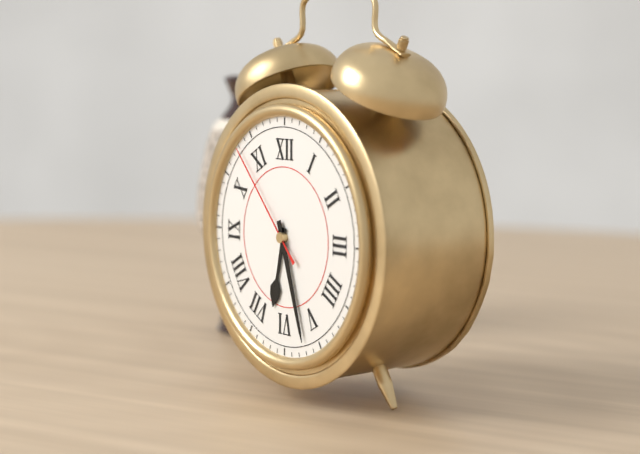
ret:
{"hour": 6, "minute": 27, "second": 53}
